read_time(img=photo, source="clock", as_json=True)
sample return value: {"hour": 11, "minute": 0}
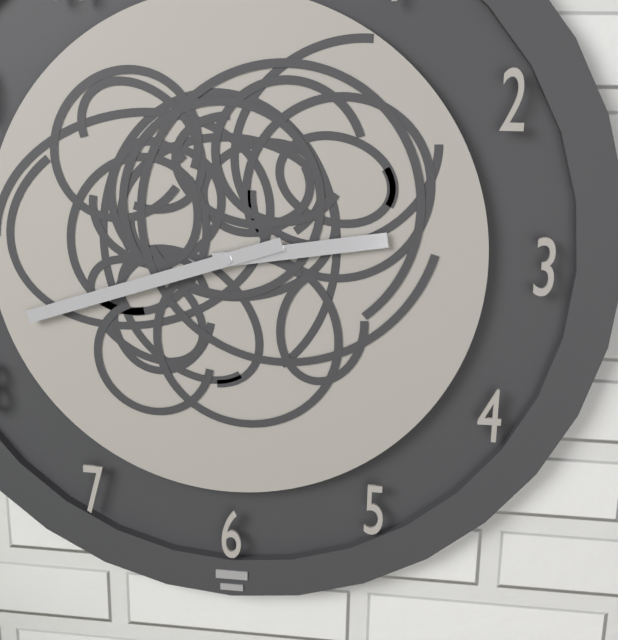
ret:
{"hour": 2, "minute": 42}
